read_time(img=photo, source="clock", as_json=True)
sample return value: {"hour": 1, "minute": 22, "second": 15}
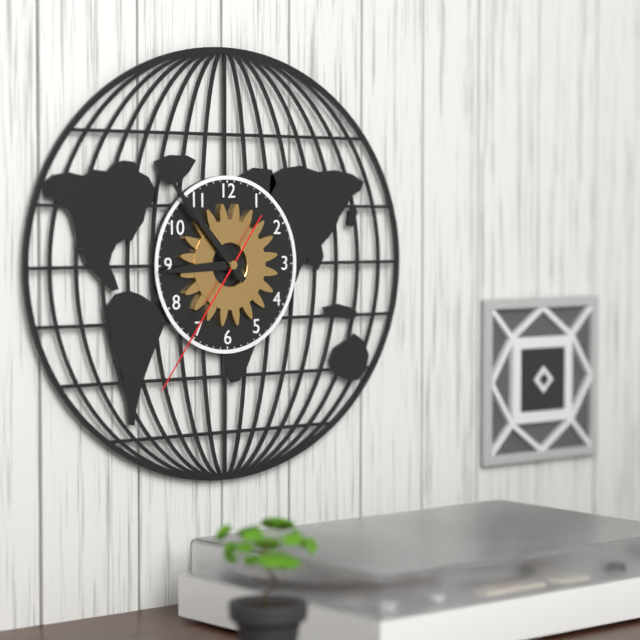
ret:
{"hour": 8, "minute": 53, "second": 36}
